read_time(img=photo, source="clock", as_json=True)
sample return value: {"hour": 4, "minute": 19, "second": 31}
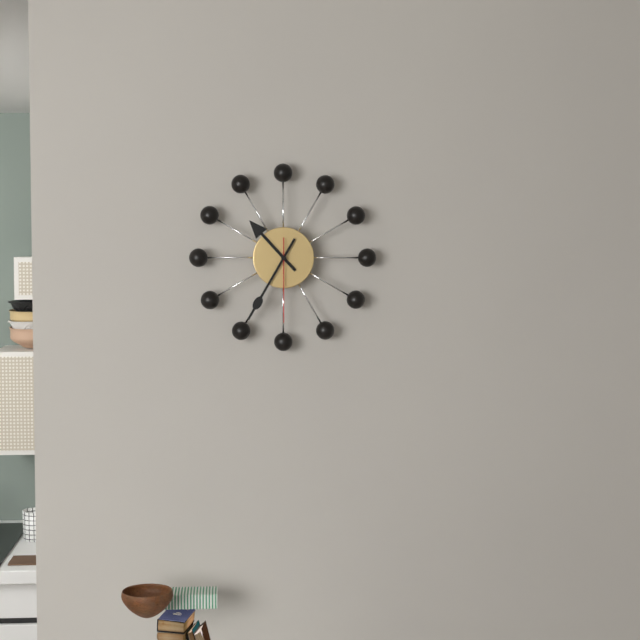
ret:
{"hour": 10, "minute": 35, "second": 30}
